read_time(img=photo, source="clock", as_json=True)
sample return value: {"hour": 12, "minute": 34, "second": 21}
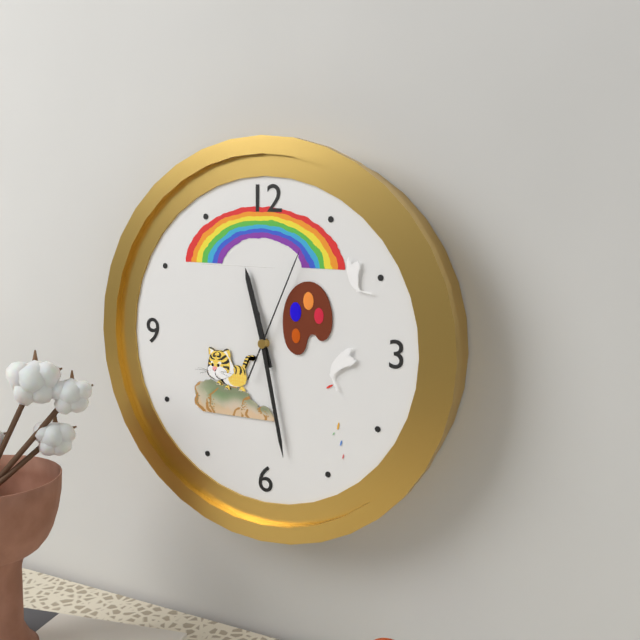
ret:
{"hour": 11, "minute": 28, "second": 4}
